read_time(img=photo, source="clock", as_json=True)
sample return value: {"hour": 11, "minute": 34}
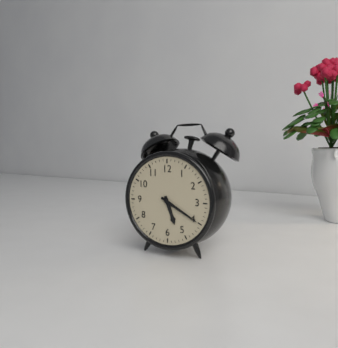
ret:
{"hour": 5, "minute": 20}
